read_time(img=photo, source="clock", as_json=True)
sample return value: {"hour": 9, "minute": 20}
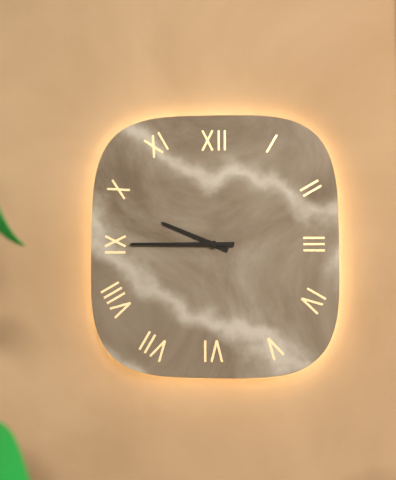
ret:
{"hour": 9, "minute": 45}
